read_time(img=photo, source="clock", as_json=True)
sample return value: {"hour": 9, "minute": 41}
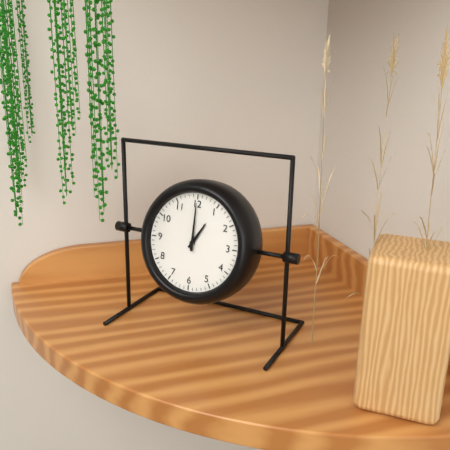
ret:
{"hour": 1, "minute": 0}
